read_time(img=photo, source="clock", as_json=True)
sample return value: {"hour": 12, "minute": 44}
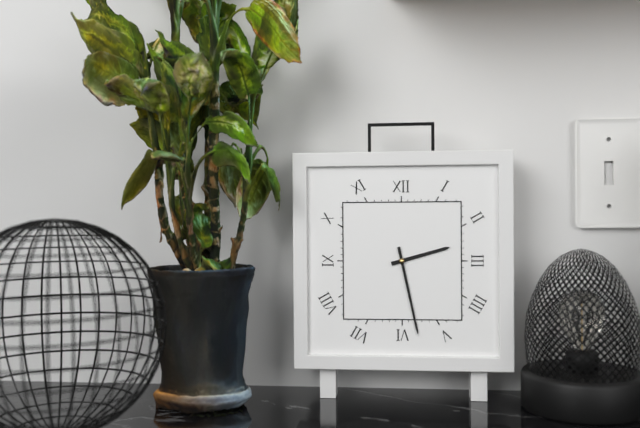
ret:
{"hour": 2, "minute": 28}
